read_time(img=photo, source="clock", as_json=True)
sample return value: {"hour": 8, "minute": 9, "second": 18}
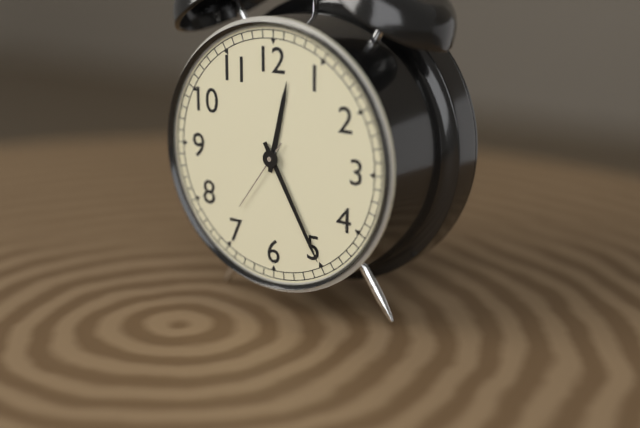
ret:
{"hour": 12, "minute": 25, "second": 36}
